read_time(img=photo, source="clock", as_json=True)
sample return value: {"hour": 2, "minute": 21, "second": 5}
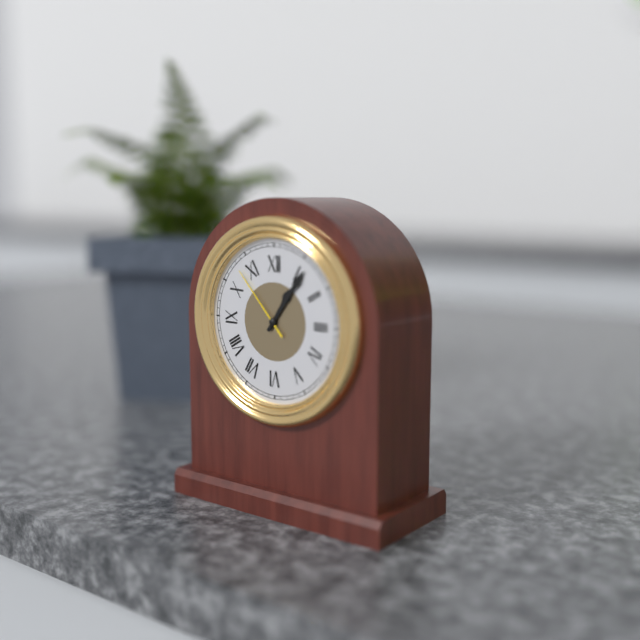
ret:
{"hour": 1, "minute": 6, "second": 53}
